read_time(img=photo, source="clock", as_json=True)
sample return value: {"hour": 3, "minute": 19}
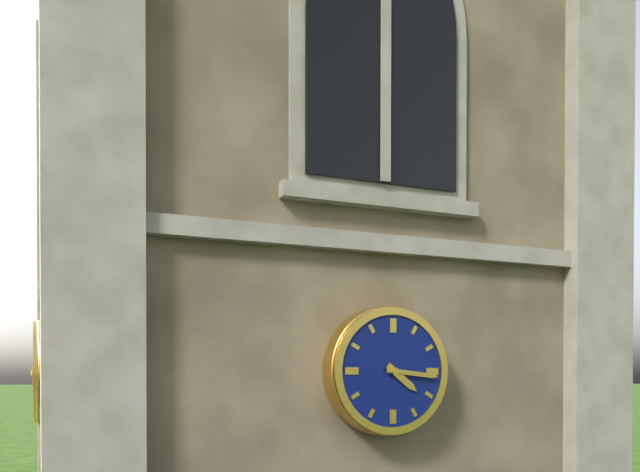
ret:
{"hour": 4, "minute": 16}
